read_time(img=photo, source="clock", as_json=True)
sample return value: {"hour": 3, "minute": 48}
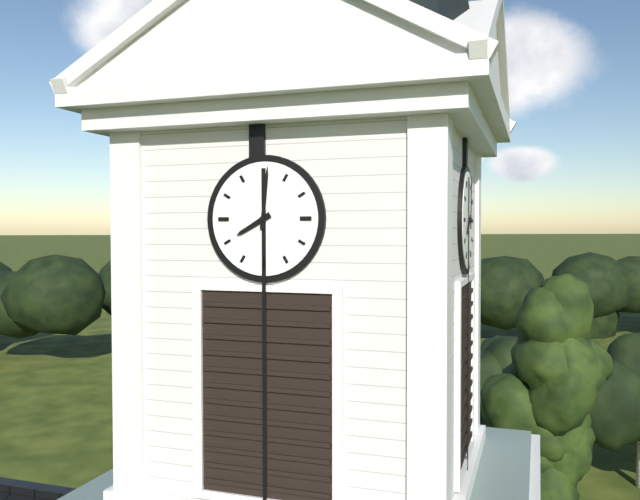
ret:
{"hour": 8, "minute": 1}
